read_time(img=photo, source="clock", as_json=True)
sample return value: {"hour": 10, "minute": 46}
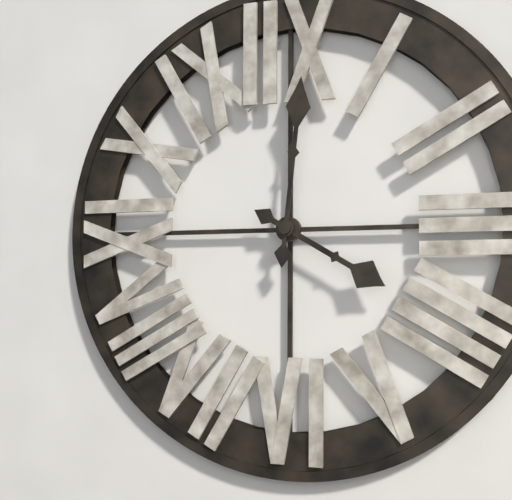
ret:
{"hour": 4, "minute": 1}
